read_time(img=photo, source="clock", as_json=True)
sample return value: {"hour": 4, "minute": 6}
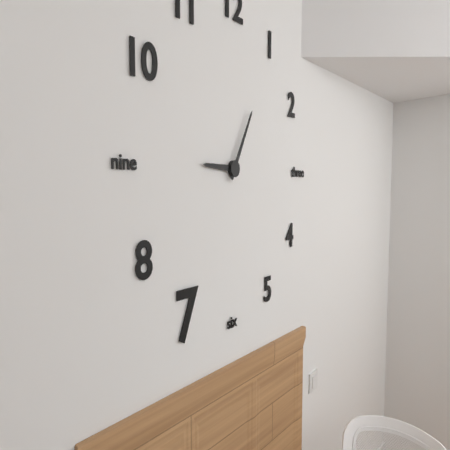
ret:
{"hour": 9, "minute": 5}
